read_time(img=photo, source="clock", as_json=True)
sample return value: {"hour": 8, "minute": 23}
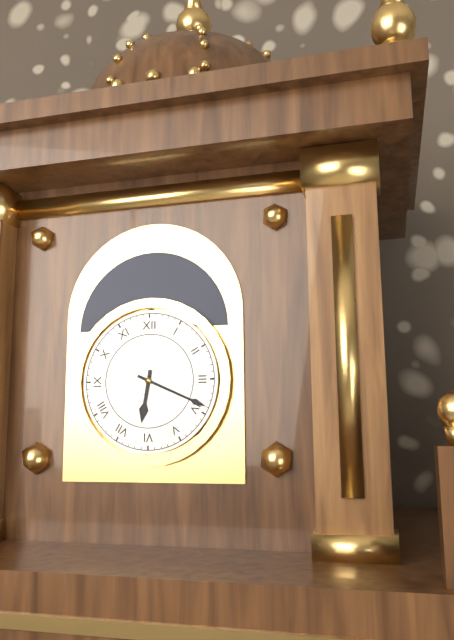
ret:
{"hour": 6, "minute": 19}
